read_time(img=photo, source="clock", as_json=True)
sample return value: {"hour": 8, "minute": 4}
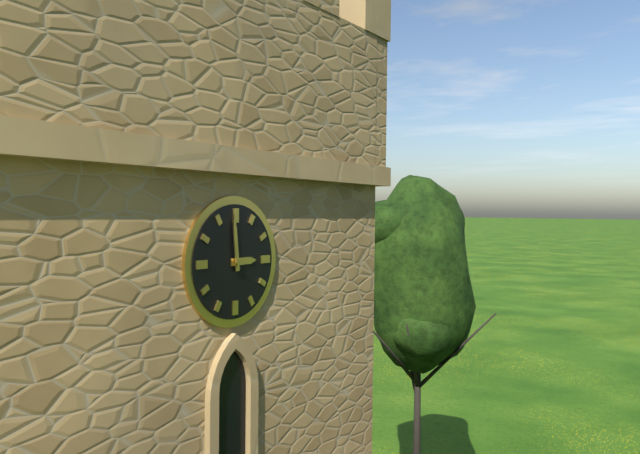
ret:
{"hour": 2, "minute": 59}
